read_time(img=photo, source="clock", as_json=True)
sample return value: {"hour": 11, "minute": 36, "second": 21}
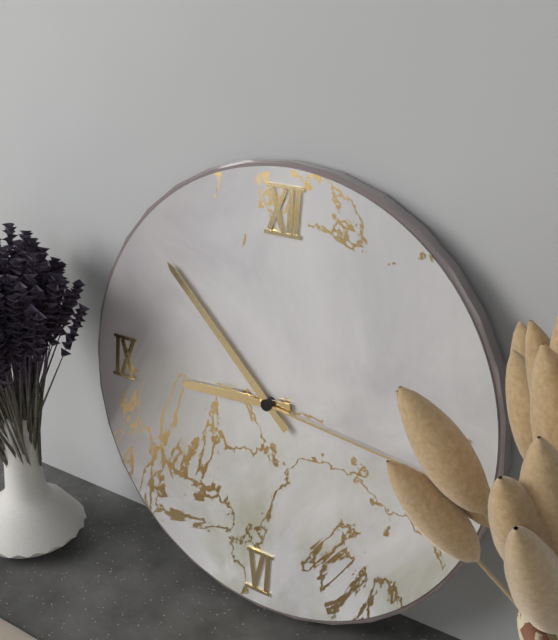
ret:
{"hour": 8, "minute": 52, "second": 16}
